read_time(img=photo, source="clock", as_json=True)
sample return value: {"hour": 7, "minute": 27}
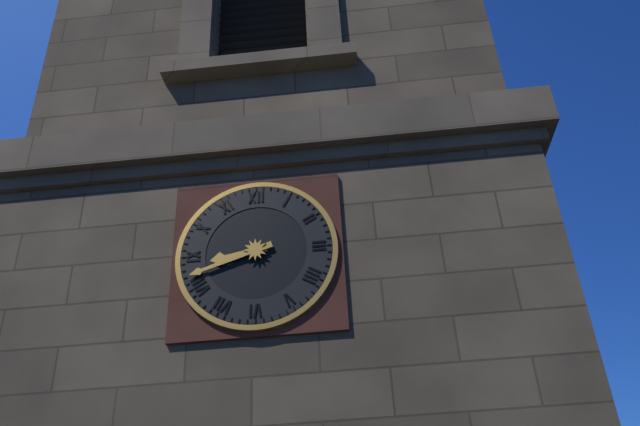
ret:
{"hour": 8, "minute": 42}
